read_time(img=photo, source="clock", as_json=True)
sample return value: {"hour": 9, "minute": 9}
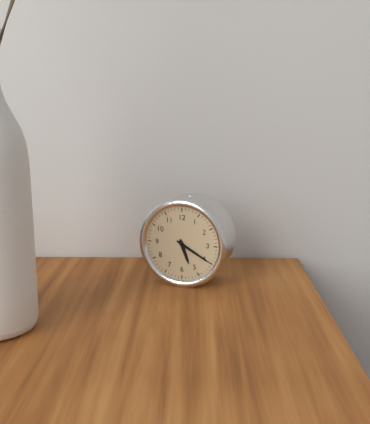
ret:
{"hour": 5, "minute": 20}
